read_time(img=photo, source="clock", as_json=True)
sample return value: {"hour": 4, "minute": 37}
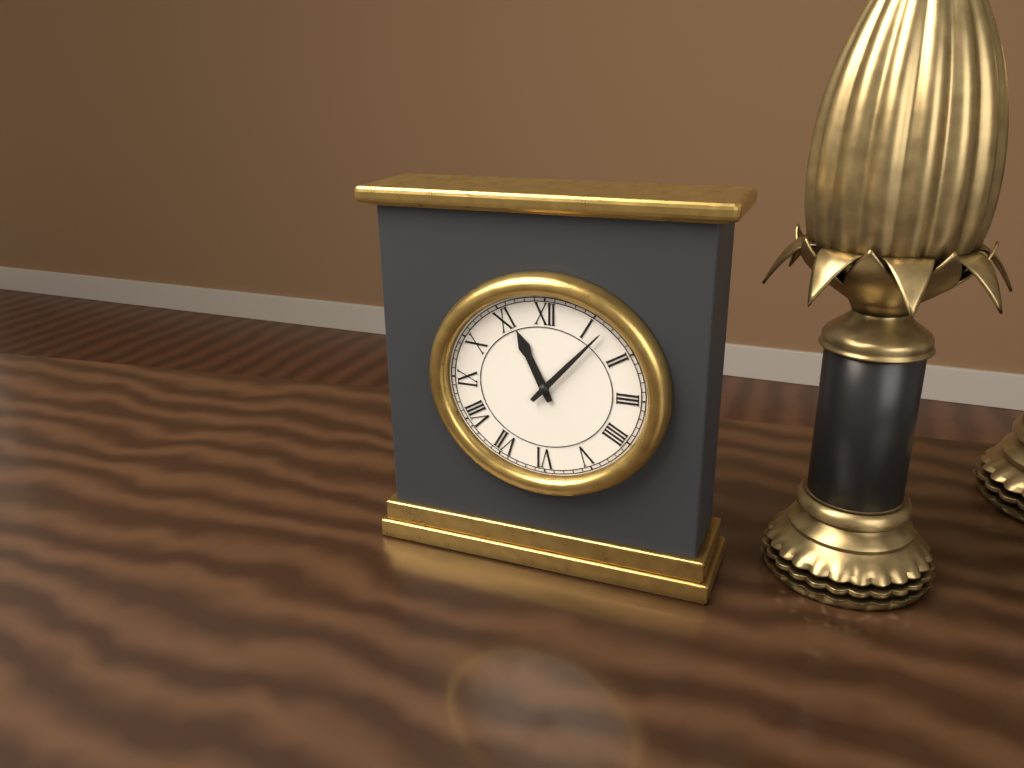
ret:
{"hour": 11, "minute": 7}
